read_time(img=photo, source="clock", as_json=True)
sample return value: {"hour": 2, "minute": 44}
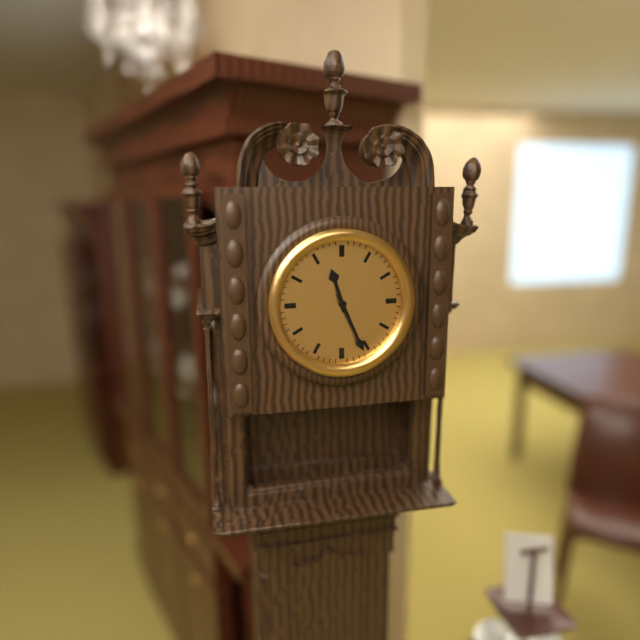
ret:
{"hour": 11, "minute": 26}
